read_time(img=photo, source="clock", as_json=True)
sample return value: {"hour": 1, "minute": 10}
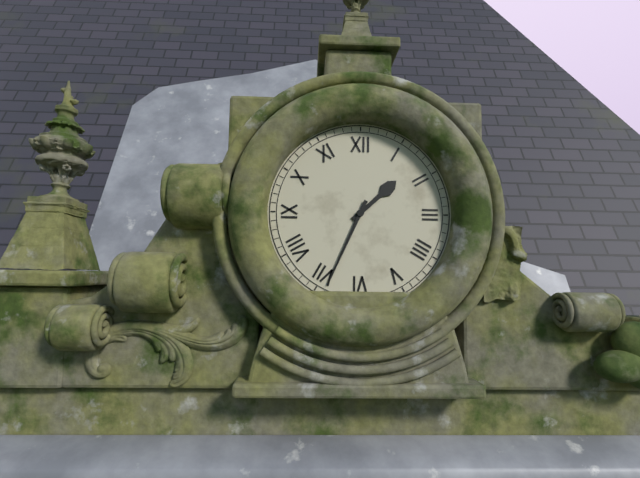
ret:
{"hour": 1, "minute": 34}
